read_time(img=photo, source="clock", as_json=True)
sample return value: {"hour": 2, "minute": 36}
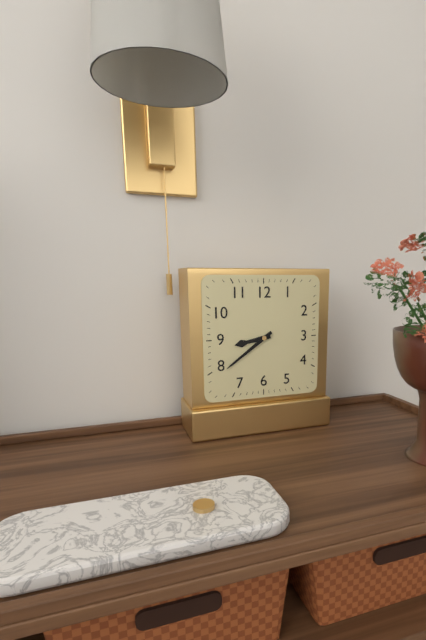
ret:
{"hour": 8, "minute": 39}
